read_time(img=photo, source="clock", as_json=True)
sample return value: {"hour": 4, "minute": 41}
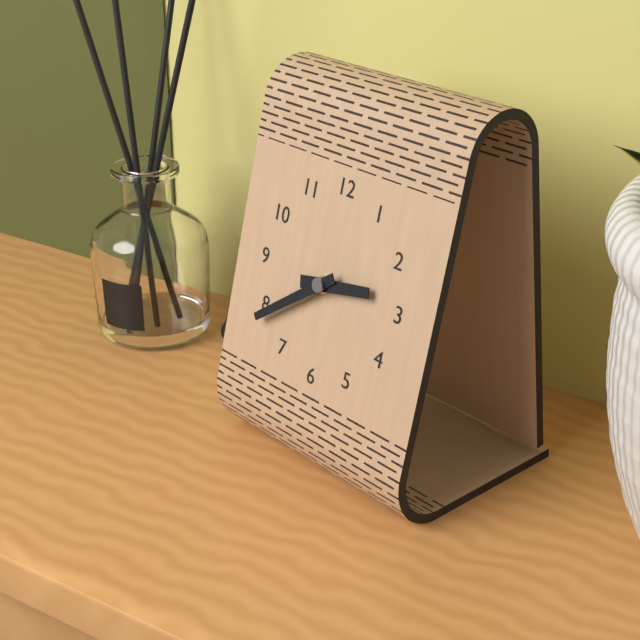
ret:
{"hour": 2, "minute": 39}
